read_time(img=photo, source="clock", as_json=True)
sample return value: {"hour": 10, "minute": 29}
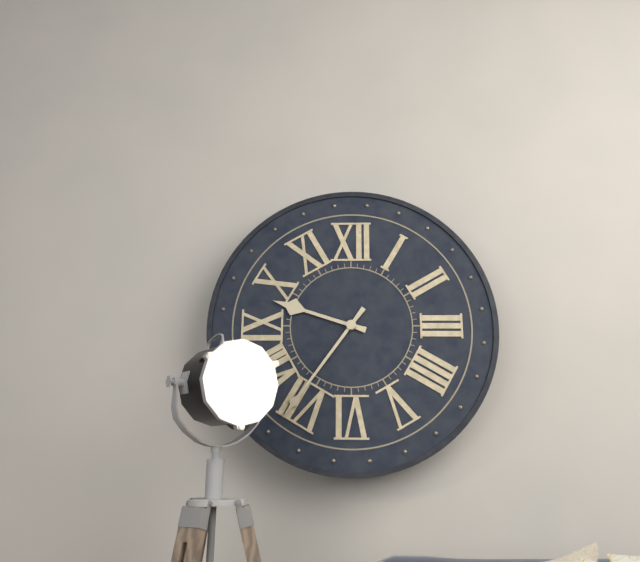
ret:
{"hour": 9, "minute": 36}
